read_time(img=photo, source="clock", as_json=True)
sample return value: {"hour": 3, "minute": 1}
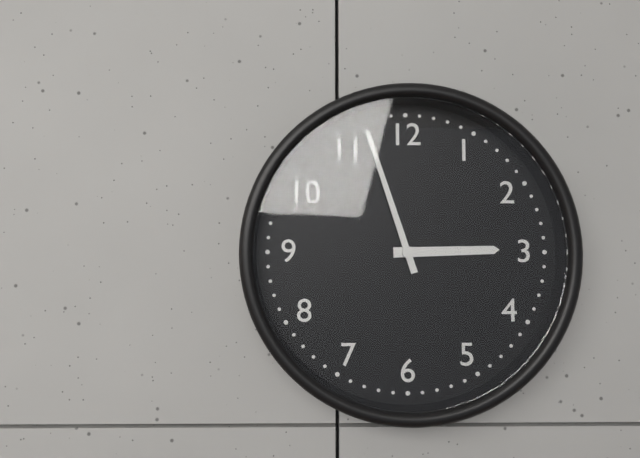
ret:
{"hour": 2, "minute": 57}
